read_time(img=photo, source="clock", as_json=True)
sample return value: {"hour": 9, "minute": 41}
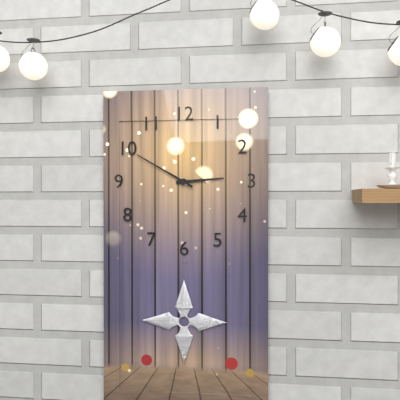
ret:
{"hour": 2, "minute": 50}
